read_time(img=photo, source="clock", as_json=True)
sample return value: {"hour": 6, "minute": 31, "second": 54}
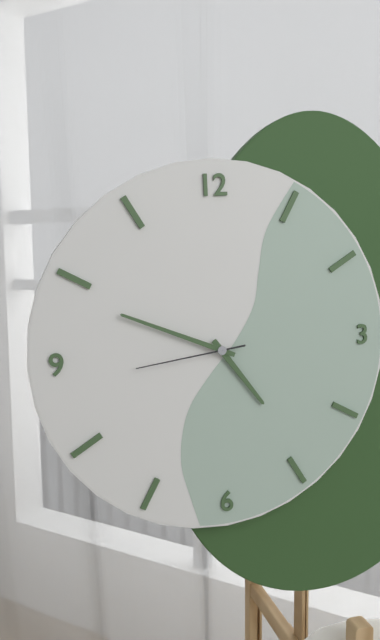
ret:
{"hour": 4, "minute": 49, "second": 44}
